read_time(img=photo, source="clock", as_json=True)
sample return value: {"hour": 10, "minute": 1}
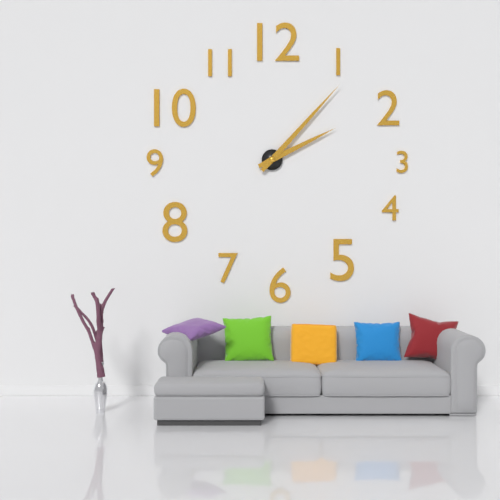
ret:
{"hour": 2, "minute": 7}
